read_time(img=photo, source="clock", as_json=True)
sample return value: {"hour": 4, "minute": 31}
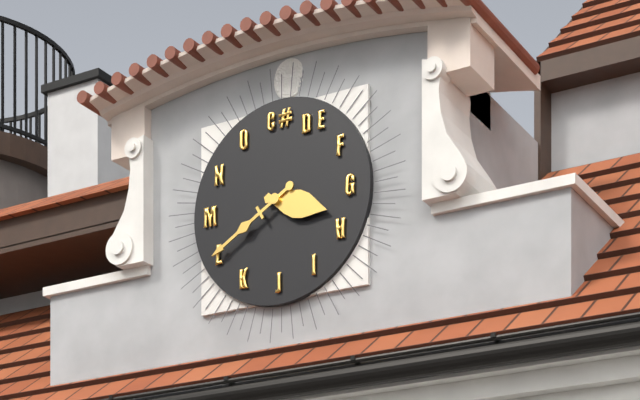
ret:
{"hour": 3, "minute": 40}
